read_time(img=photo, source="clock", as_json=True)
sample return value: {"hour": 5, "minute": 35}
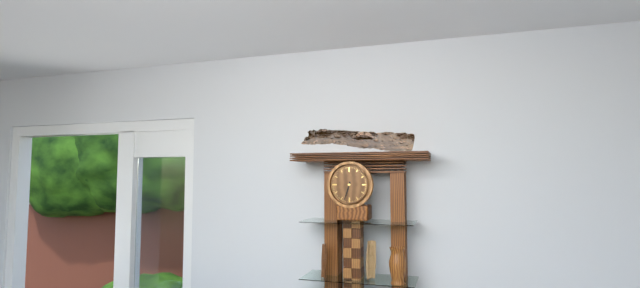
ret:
{"hour": 6, "minute": 33}
